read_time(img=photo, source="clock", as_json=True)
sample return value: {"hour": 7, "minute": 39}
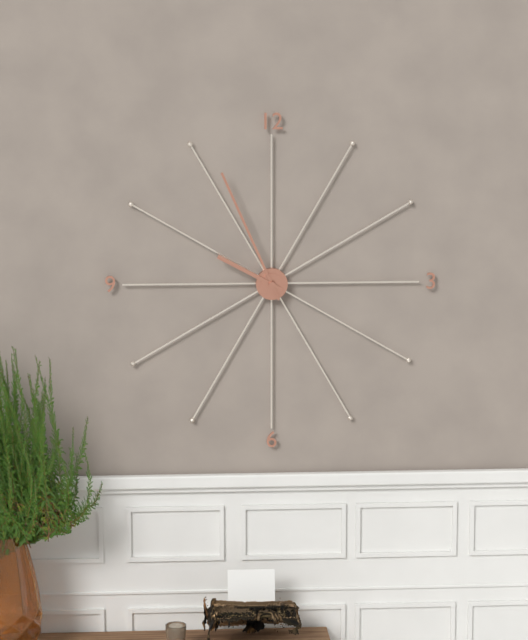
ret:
{"hour": 9, "minute": 56}
